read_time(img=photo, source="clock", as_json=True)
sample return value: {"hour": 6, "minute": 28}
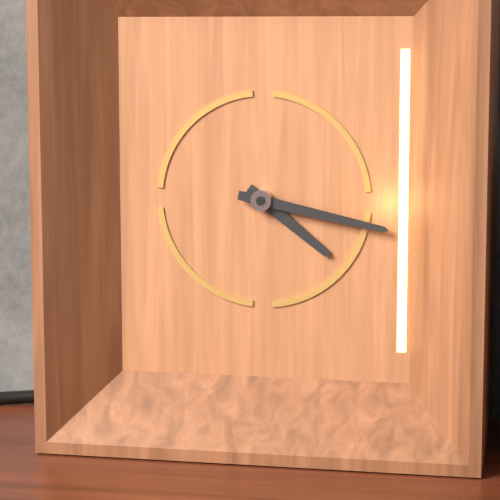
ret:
{"hour": 4, "minute": 17}
